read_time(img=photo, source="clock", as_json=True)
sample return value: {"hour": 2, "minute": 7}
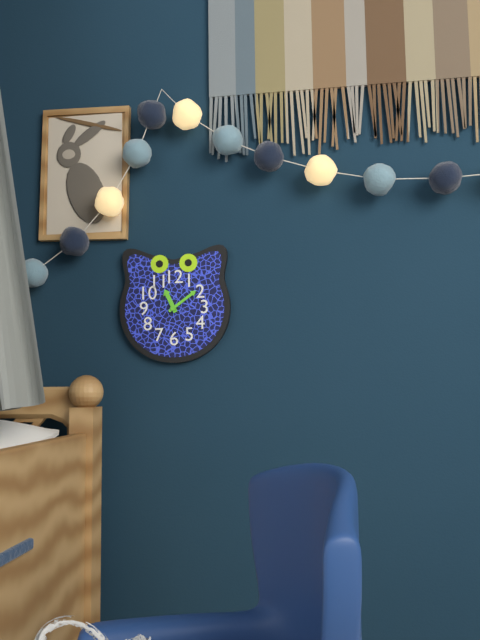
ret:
{"hour": 11, "minute": 9}
